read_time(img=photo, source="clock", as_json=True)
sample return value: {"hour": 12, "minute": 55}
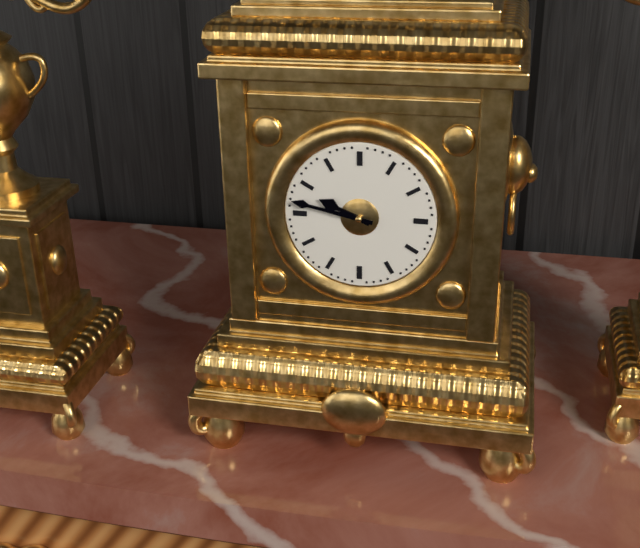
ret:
{"hour": 9, "minute": 47}
